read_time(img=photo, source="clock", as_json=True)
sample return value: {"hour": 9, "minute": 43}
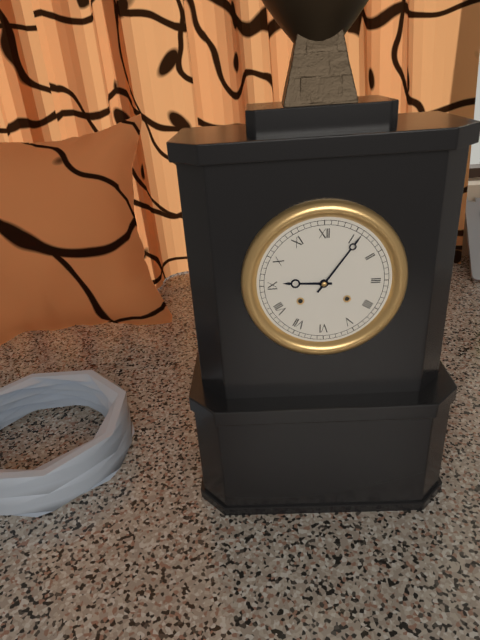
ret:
{"hour": 9, "minute": 6}
